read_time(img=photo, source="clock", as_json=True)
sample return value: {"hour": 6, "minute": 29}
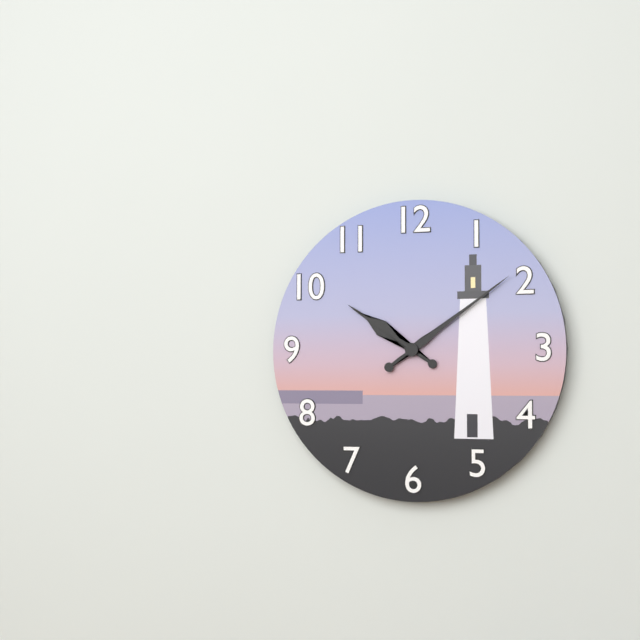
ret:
{"hour": 10, "minute": 9}
